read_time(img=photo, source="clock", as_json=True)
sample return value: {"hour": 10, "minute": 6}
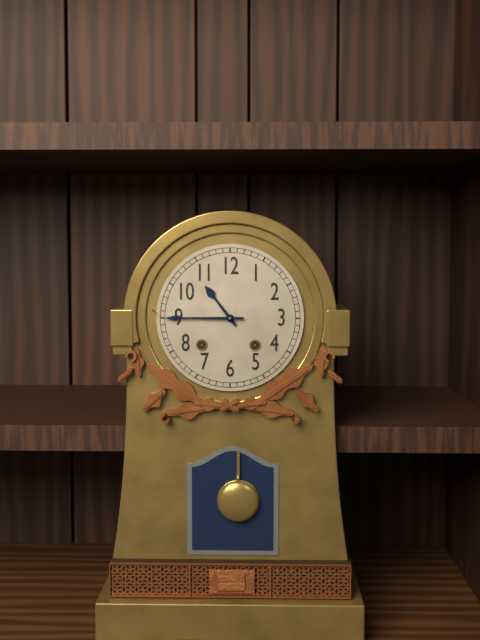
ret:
{"hour": 10, "minute": 45}
